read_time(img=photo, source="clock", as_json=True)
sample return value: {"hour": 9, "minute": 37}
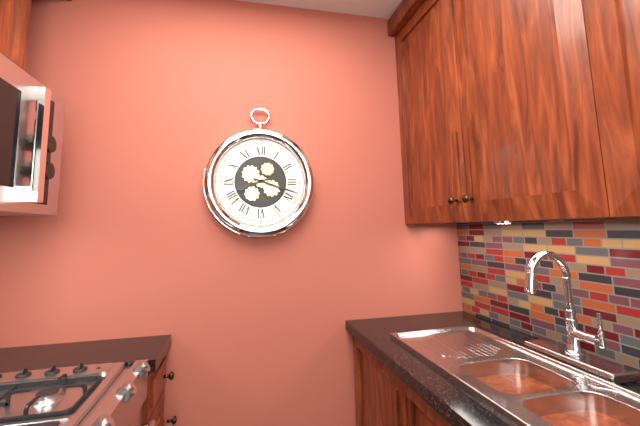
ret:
{"hour": 8, "minute": 18}
